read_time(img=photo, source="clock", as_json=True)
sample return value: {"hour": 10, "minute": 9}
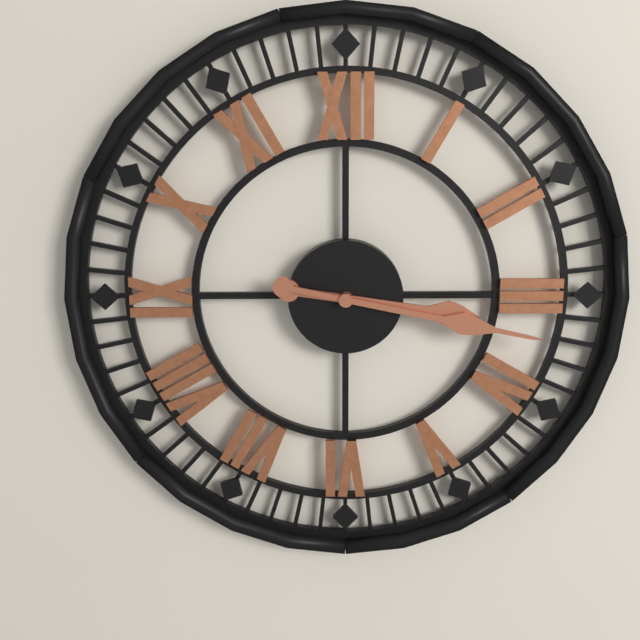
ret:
{"hour": 3, "minute": 17}
